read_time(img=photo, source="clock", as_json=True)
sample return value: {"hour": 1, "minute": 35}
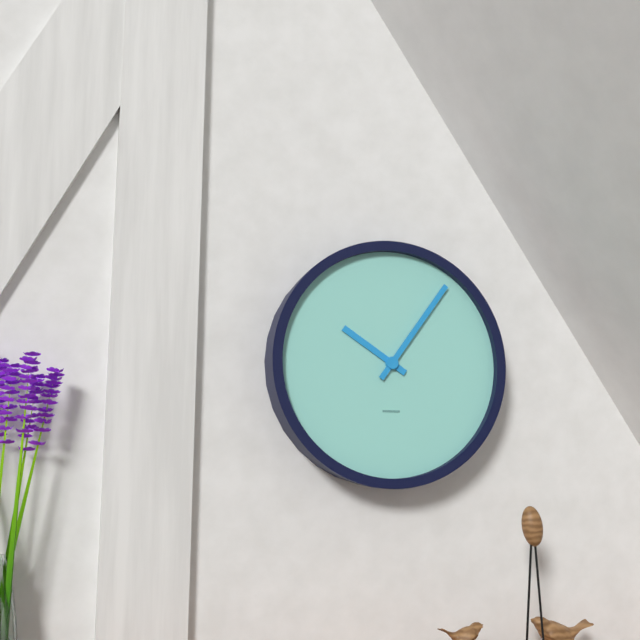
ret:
{"hour": 10, "minute": 6}
